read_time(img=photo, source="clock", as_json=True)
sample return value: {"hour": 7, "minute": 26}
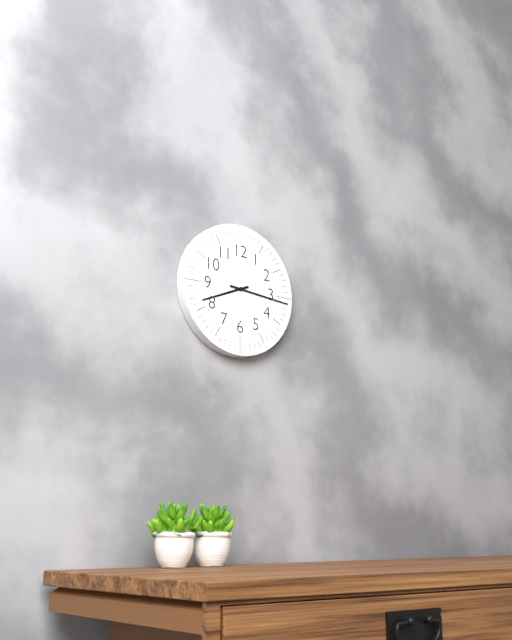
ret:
{"hour": 8, "minute": 16}
